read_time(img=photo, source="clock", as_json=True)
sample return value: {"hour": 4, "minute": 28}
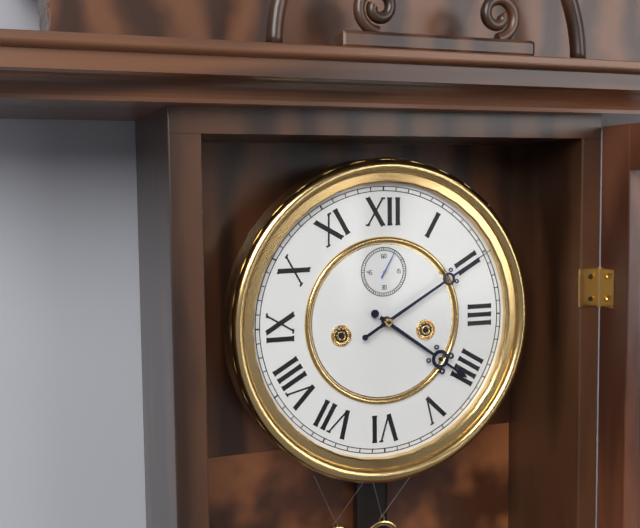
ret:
{"hour": 4, "minute": 10}
